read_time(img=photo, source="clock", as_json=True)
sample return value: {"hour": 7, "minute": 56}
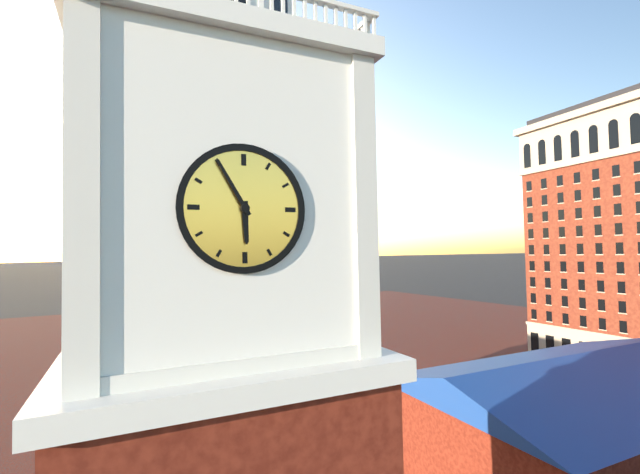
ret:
{"hour": 5, "minute": 55}
